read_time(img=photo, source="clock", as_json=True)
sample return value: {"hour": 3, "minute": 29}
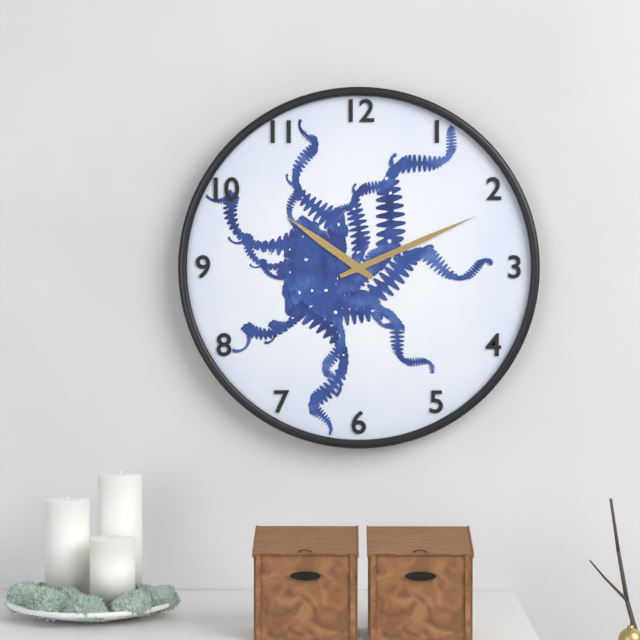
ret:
{"hour": 10, "minute": 11}
